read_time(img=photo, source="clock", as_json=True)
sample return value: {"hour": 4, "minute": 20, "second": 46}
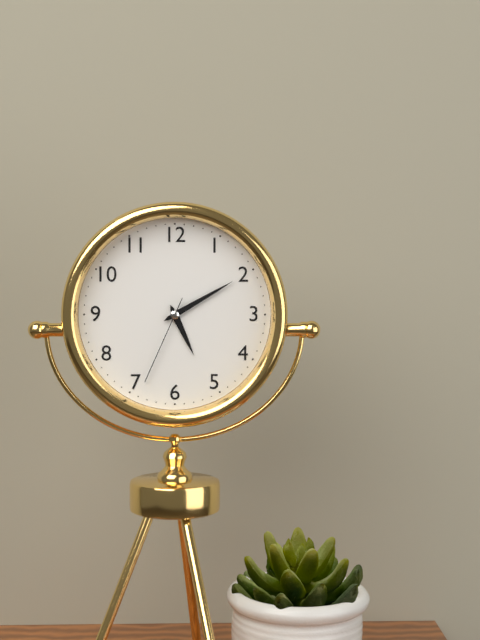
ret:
{"hour": 5, "minute": 10, "second": 34}
